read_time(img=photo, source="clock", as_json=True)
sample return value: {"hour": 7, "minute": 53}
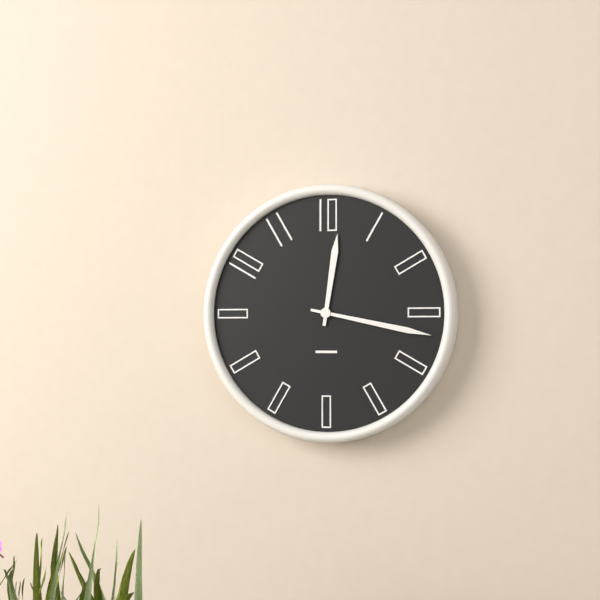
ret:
{"hour": 12, "minute": 17}
